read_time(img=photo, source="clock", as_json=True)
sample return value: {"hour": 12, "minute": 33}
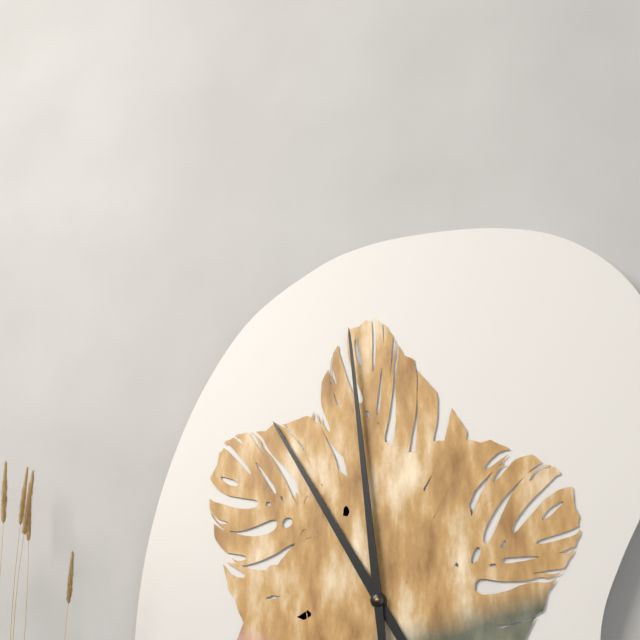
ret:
{"hour": 10, "minute": 59}
